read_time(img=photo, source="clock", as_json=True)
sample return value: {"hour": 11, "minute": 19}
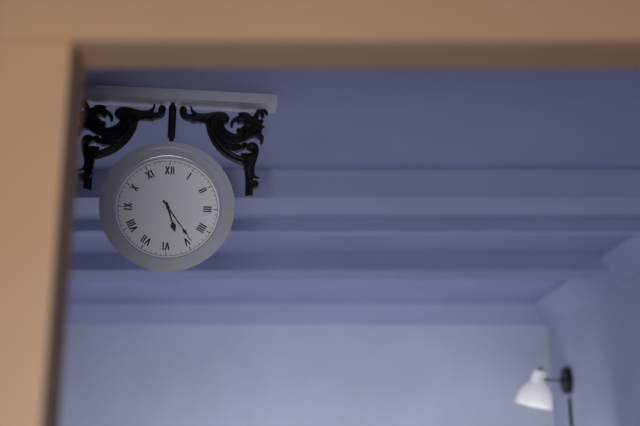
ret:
{"hour": 5, "minute": 24}
